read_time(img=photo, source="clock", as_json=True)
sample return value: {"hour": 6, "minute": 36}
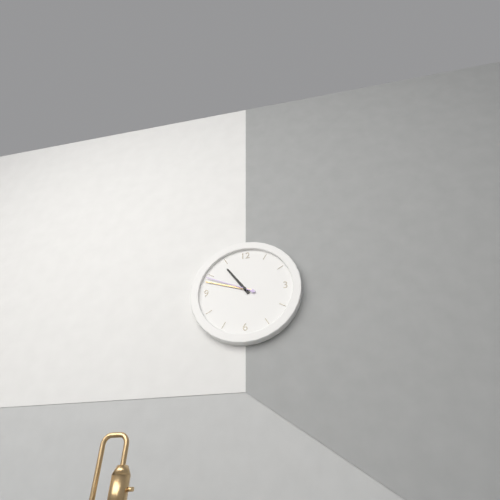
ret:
{"hour": 10, "minute": 48}
